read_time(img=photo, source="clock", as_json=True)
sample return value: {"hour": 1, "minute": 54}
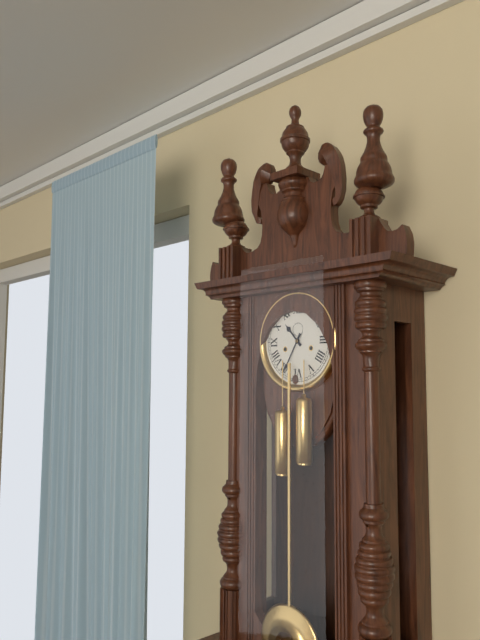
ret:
{"hour": 10, "minute": 35}
